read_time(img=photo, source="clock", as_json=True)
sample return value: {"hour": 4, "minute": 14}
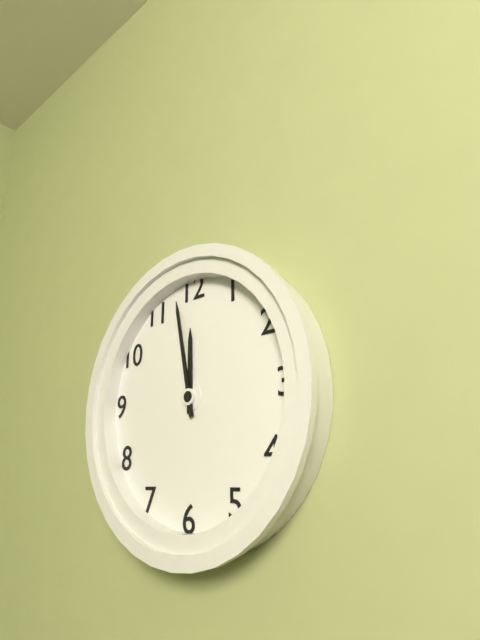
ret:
{"hour": 11, "minute": 58}
